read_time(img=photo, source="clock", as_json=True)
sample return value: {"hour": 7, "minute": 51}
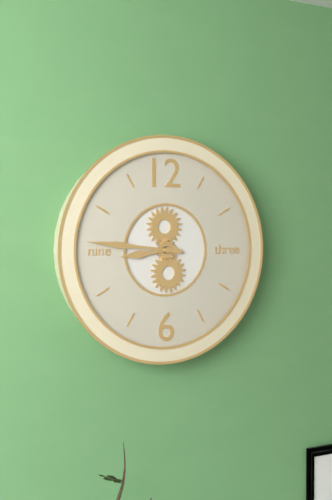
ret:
{"hour": 8, "minute": 46}
